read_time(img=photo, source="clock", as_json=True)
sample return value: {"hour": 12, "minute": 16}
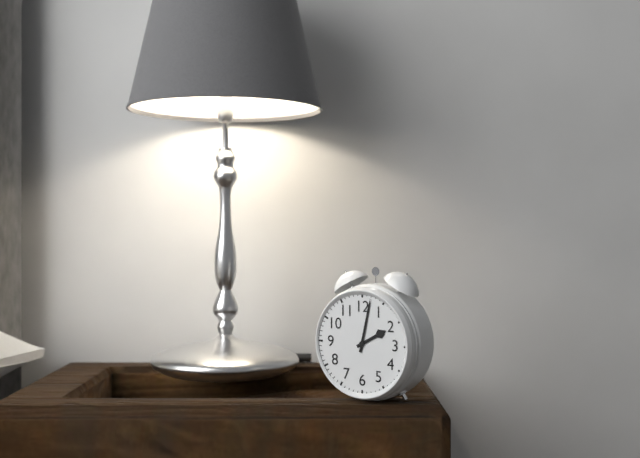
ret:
{"hour": 2, "minute": 2}
